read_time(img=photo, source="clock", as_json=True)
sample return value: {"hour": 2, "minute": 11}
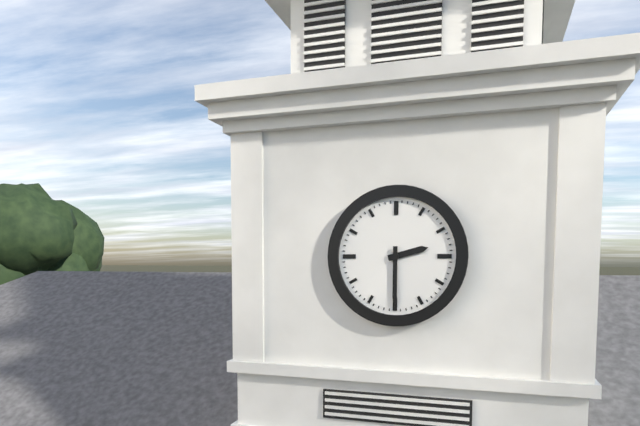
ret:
{"hour": 2, "minute": 30}
